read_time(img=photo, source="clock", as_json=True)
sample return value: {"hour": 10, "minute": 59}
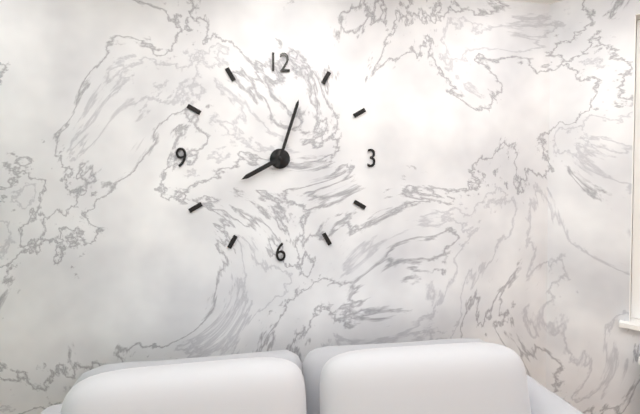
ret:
{"hour": 8, "minute": 3}
